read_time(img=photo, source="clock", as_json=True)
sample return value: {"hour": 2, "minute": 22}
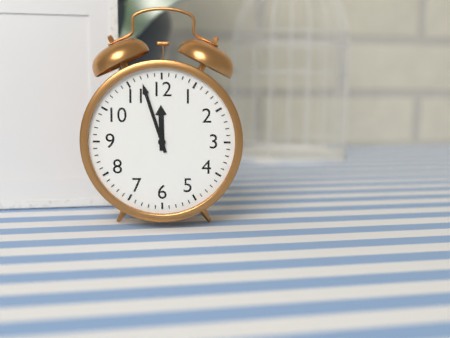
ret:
{"hour": 11, "minute": 57}
